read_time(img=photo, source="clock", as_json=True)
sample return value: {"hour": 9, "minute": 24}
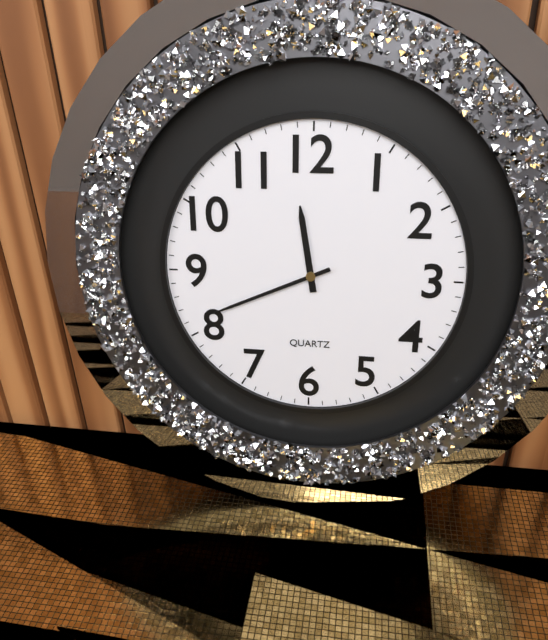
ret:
{"hour": 11, "minute": 41}
